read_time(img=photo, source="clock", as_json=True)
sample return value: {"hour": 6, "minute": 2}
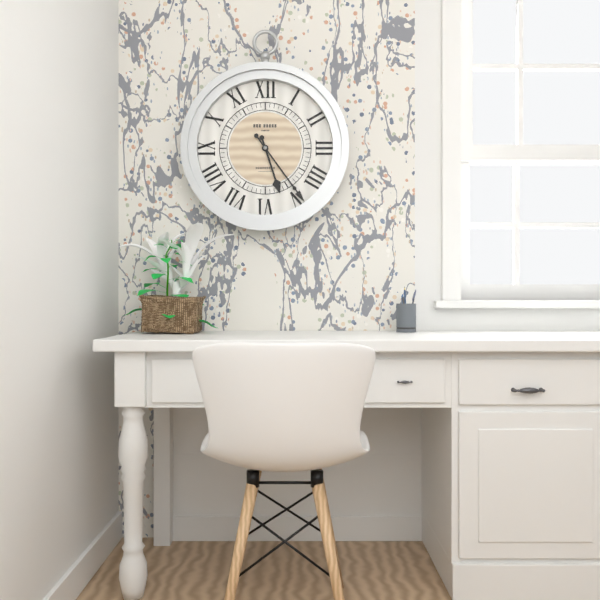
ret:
{"hour": 5, "minute": 24}
